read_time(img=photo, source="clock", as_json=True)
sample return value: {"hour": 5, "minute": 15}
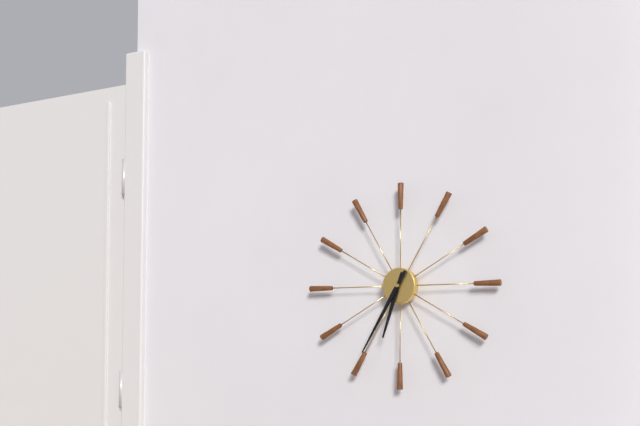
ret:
{"hour": 6, "minute": 35}
